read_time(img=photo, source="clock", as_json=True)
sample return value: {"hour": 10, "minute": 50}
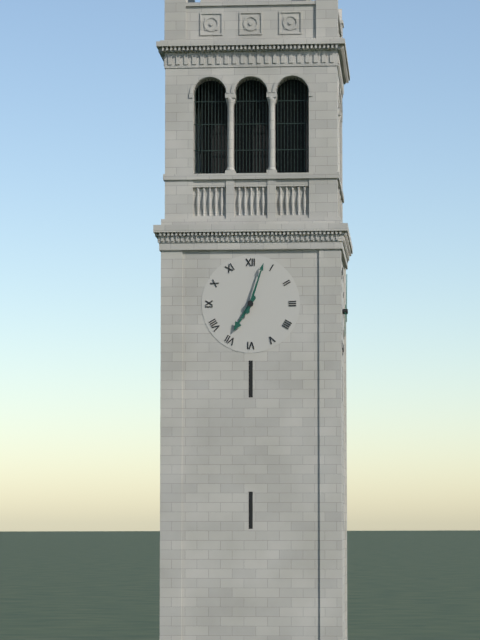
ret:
{"hour": 7, "minute": 3}
